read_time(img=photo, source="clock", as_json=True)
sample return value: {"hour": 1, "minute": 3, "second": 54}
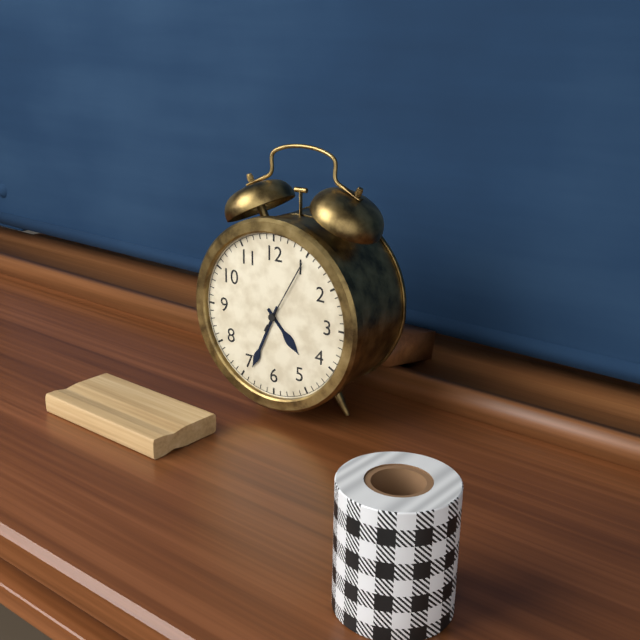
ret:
{"hour": 4, "minute": 34, "second": 5}
